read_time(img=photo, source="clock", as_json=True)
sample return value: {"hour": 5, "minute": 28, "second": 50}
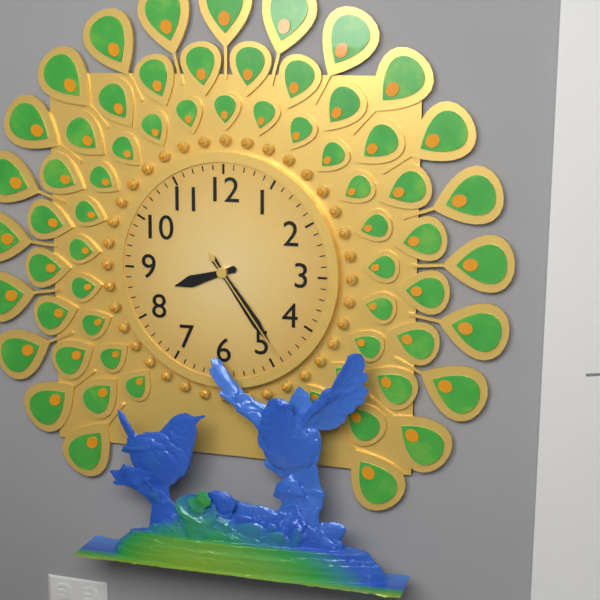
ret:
{"hour": 8, "minute": 24, "second": 24}
